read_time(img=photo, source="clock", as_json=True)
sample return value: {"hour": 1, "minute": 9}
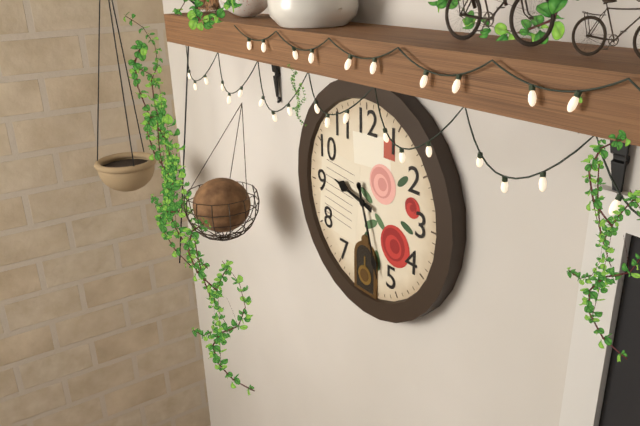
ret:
{"hour": 9, "minute": 27}
